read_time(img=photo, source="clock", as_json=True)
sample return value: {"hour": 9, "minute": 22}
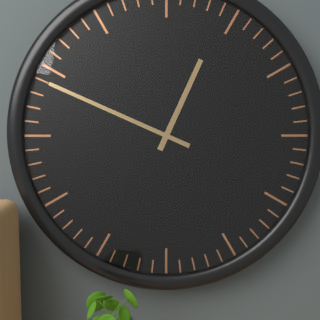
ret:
{"hour": 12, "minute": 49}
